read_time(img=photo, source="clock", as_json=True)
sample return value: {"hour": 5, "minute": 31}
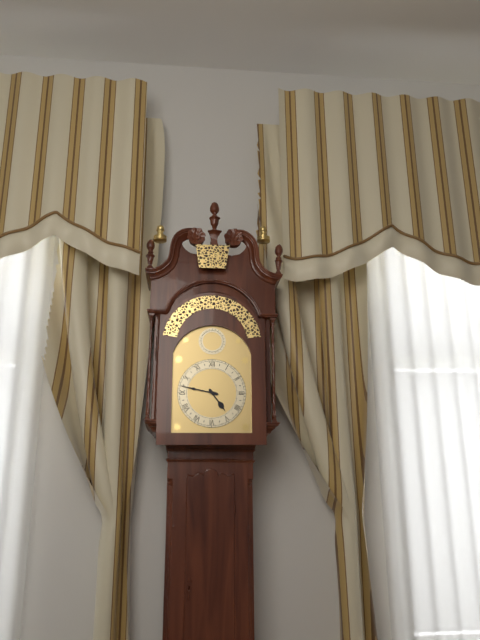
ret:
{"hour": 4, "minute": 47}
